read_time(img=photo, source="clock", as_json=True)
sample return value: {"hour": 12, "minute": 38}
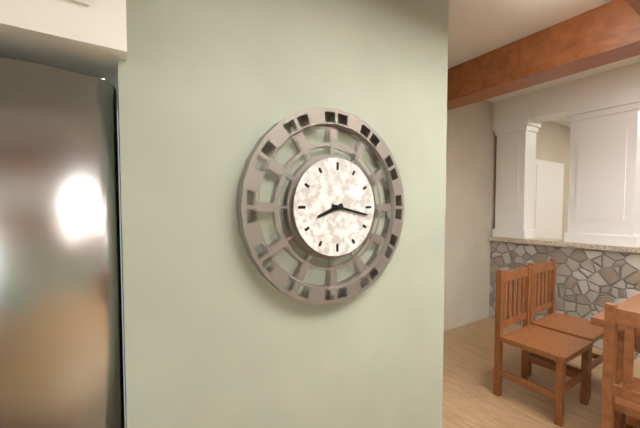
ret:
{"hour": 8, "minute": 17}
